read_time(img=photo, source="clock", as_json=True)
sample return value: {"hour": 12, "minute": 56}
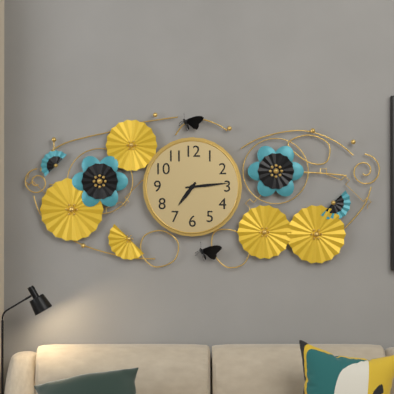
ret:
{"hour": 7, "minute": 14}
